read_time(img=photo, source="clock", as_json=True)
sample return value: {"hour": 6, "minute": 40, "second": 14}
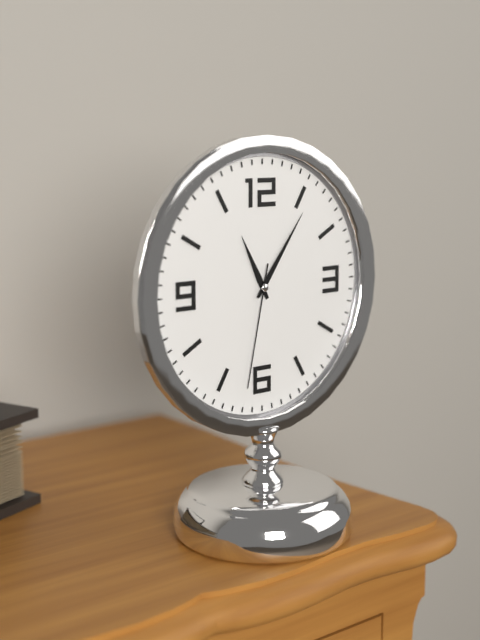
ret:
{"hour": 11, "minute": 6, "second": 32}
